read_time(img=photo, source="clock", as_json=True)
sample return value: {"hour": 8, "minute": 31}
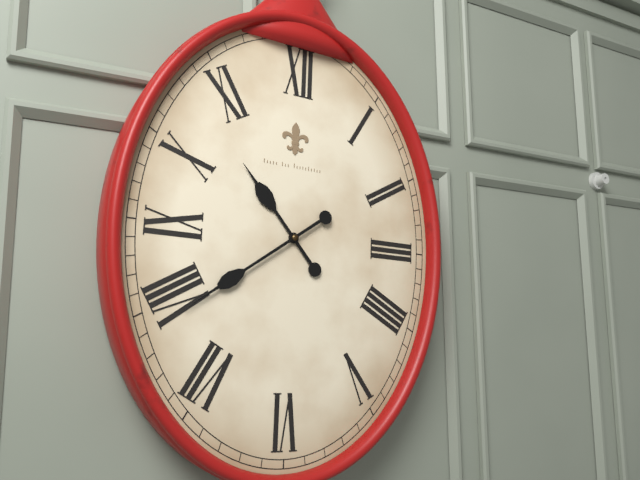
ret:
{"hour": 10, "minute": 39}
